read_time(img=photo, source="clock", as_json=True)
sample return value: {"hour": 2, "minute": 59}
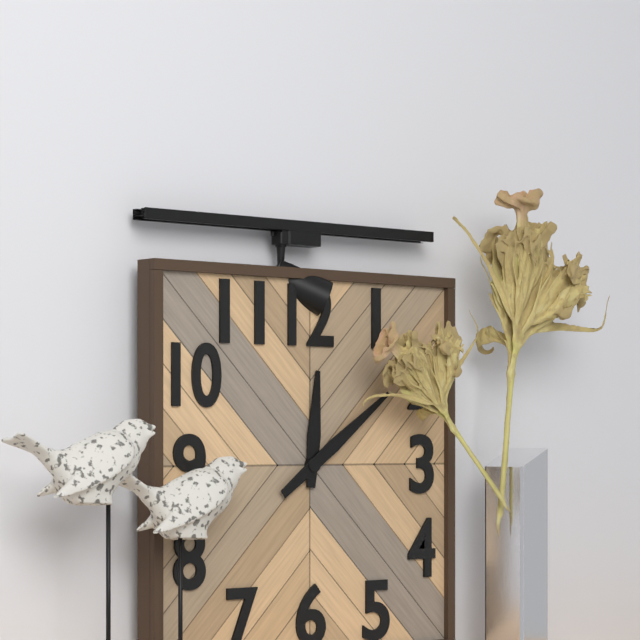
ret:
{"hour": 12, "minute": 9}
